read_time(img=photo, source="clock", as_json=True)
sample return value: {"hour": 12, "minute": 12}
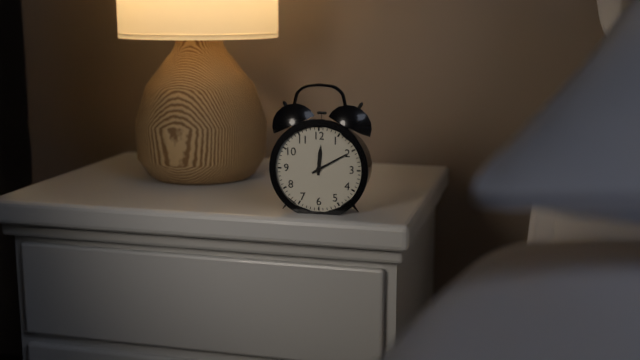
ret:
{"hour": 12, "minute": 10}
